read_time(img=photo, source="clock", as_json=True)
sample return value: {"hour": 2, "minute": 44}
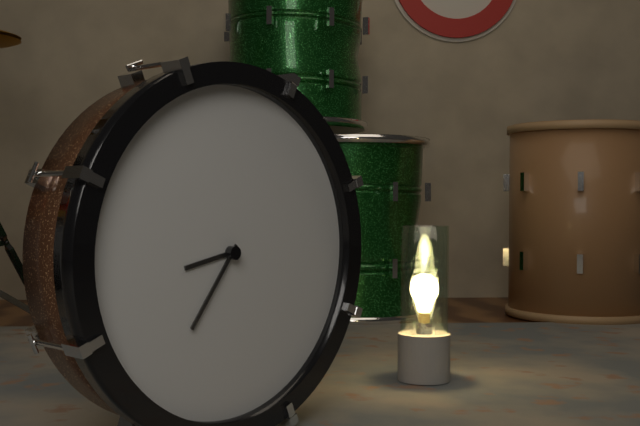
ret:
{"hour": 8, "minute": 36}
